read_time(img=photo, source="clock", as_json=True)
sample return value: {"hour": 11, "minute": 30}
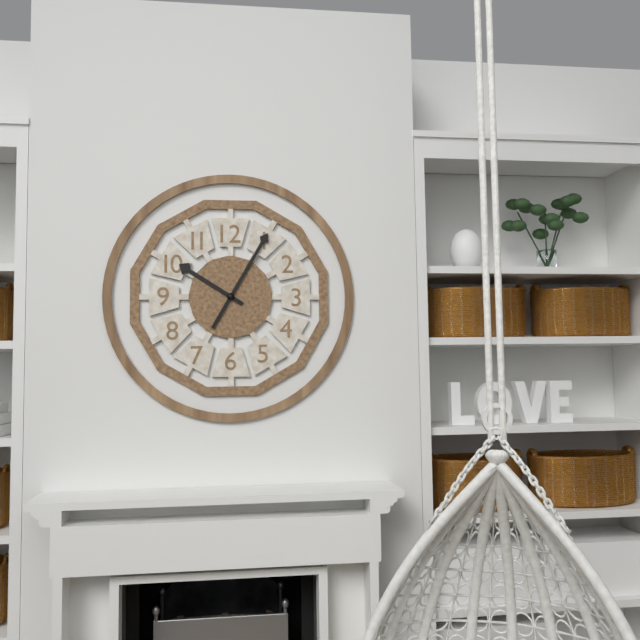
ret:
{"hour": 10, "minute": 5}
